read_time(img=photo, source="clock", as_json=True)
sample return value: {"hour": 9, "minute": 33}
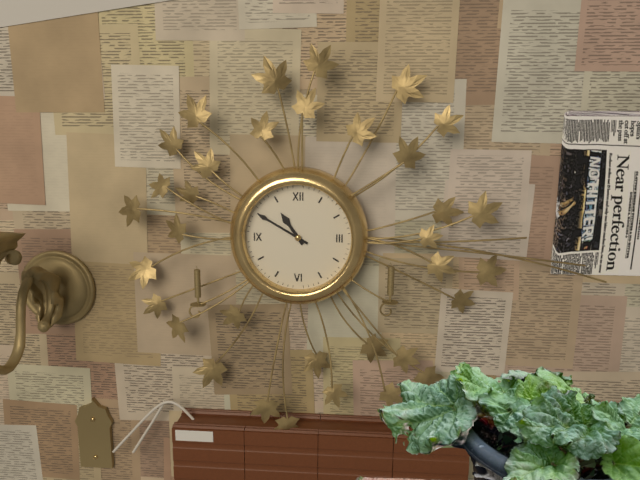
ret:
{"hour": 10, "minute": 50}
